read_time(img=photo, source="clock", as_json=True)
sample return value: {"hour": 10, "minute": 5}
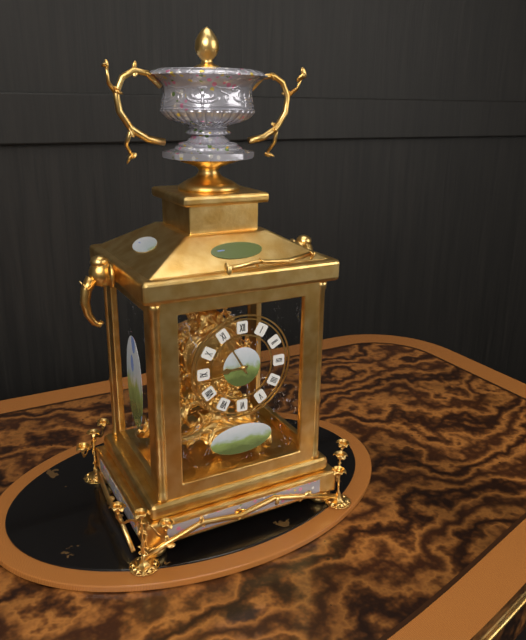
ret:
{"hour": 8, "minute": 55}
